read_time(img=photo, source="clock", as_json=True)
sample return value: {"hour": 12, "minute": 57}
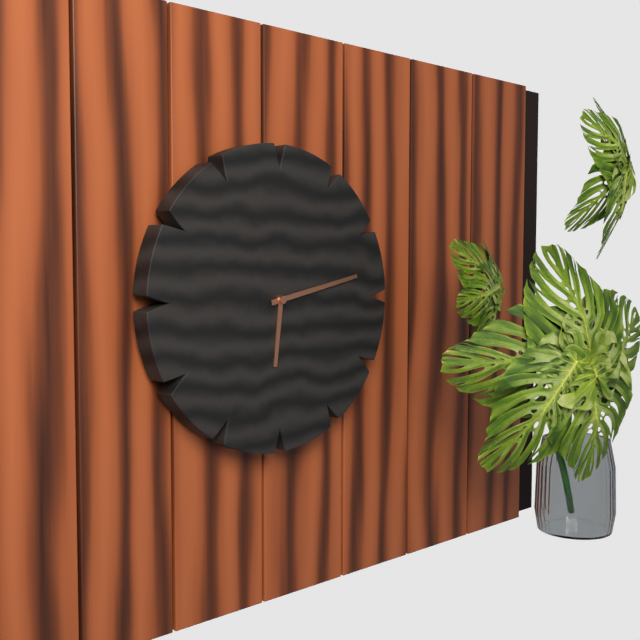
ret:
{"hour": 6, "minute": 13}
